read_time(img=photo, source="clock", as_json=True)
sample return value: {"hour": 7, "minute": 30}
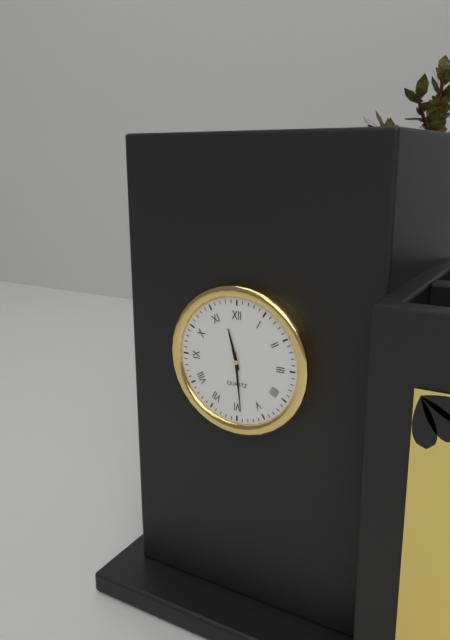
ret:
{"hour": 11, "minute": 29}
